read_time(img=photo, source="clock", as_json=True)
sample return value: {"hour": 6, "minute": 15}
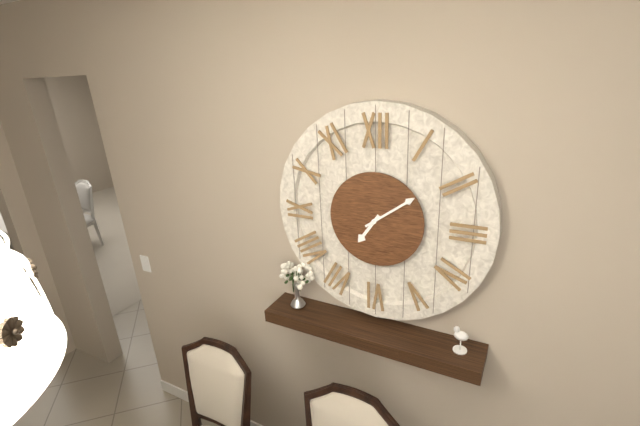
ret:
{"hour": 7, "minute": 9}
